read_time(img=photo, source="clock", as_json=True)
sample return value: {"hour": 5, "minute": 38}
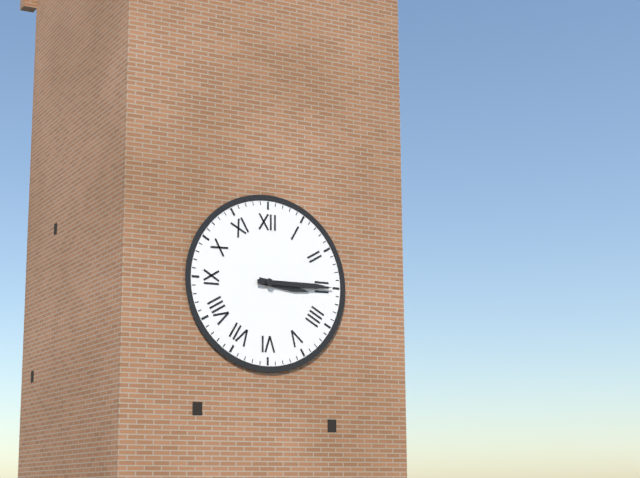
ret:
{"hour": 3, "minute": 15}
